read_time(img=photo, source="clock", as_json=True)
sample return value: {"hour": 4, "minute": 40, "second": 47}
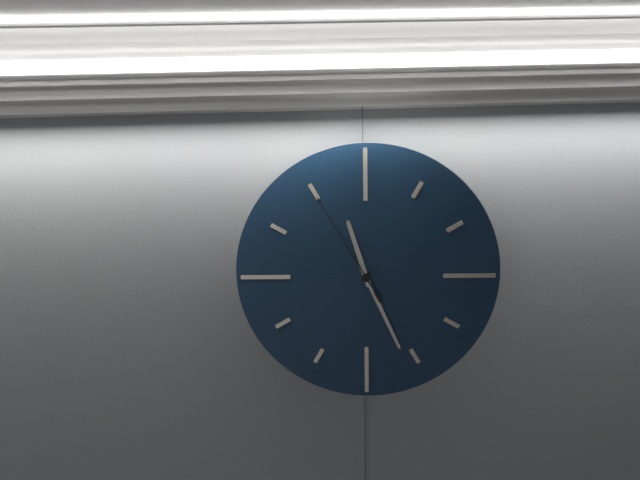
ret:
{"hour": 11, "minute": 26, "second": 55}
